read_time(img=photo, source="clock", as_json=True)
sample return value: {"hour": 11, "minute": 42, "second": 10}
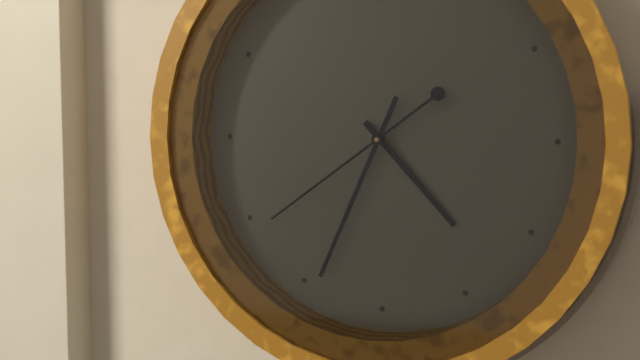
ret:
{"hour": 4, "minute": 34, "second": 39}
